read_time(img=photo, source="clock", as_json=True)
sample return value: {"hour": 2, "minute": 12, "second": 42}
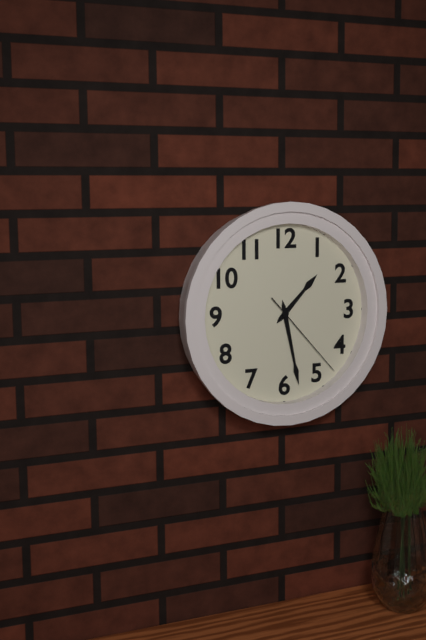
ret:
{"hour": 1, "minute": 28, "second": 23}
